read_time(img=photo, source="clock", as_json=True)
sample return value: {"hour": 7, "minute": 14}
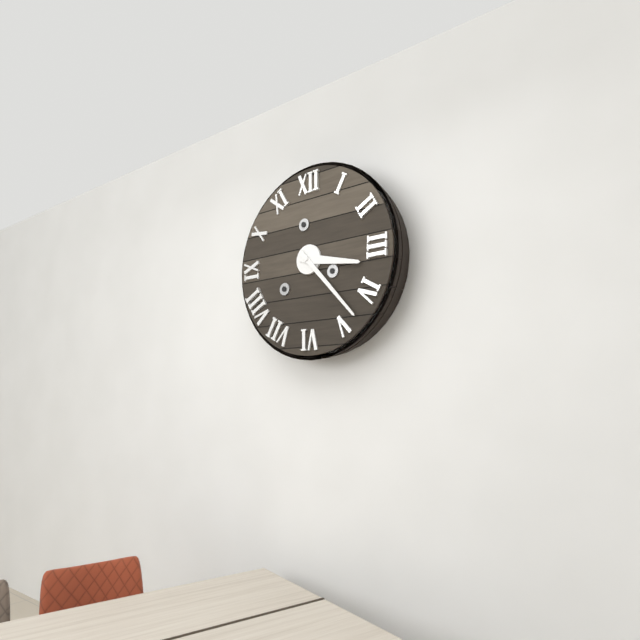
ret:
{"hour": 3, "minute": 23}
